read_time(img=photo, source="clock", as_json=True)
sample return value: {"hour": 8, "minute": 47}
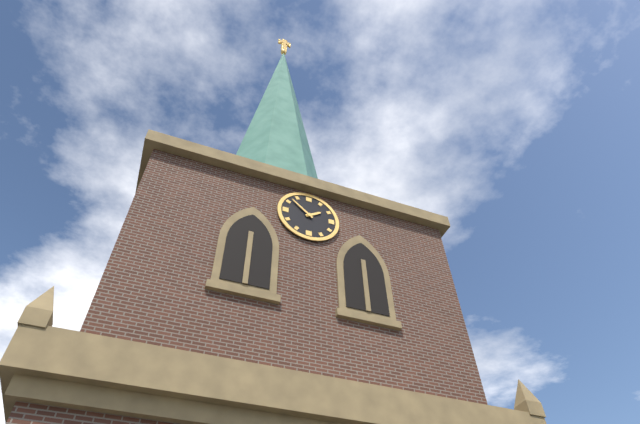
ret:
{"hour": 1, "minute": 52}
